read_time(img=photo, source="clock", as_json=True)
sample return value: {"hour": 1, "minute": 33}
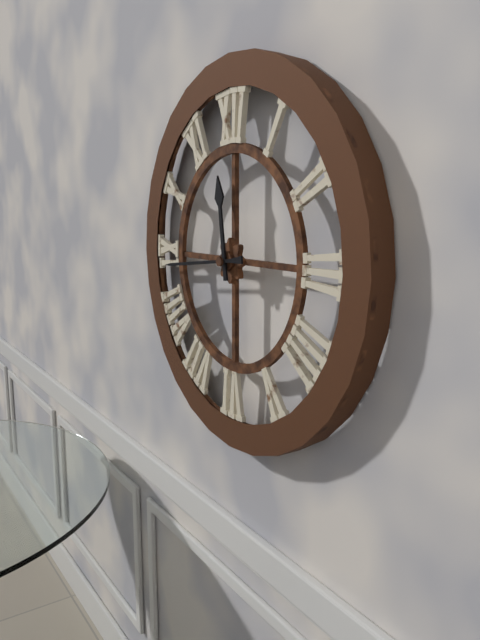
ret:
{"hour": 11, "minute": 44}
